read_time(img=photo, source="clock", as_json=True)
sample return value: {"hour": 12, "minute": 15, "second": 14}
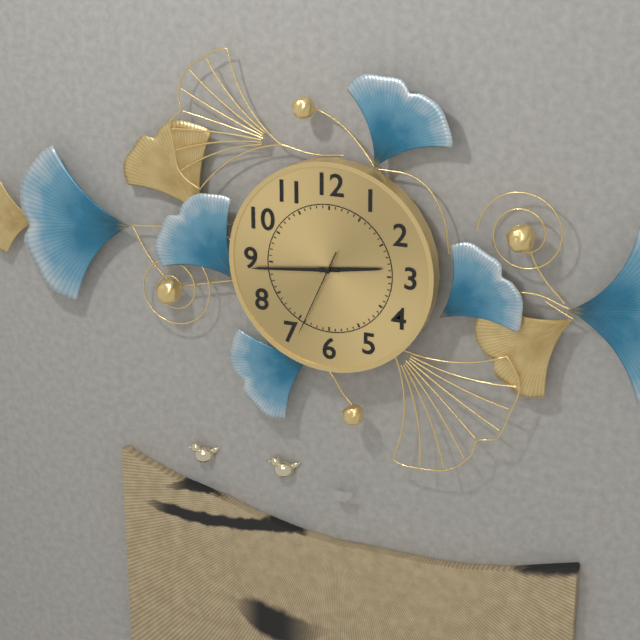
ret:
{"hour": 2, "minute": 44, "second": 34}
